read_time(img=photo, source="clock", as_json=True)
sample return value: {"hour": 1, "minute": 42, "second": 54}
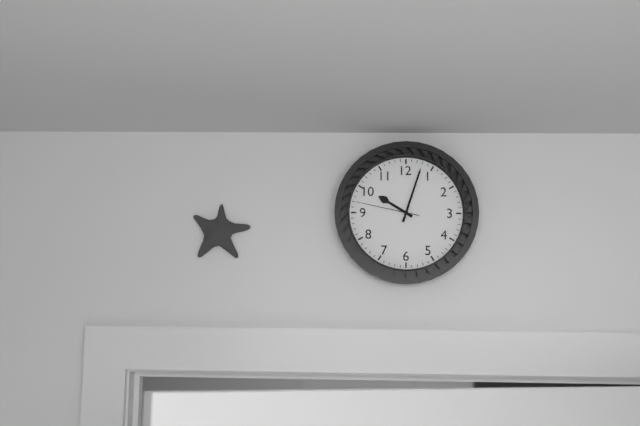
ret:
{"hour": 10, "minute": 3, "second": 47}
